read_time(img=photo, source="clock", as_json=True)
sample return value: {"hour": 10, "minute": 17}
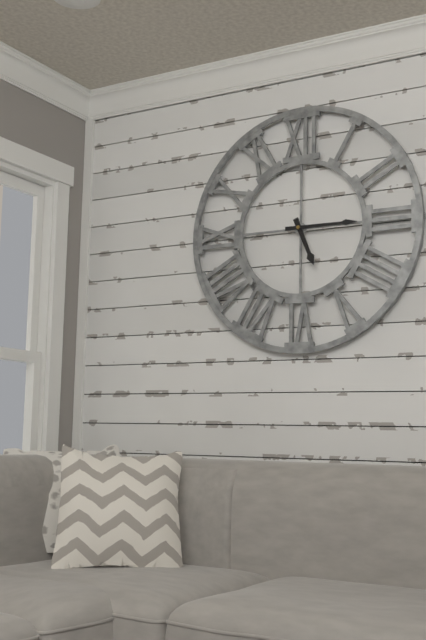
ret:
{"hour": 5, "minute": 15}
